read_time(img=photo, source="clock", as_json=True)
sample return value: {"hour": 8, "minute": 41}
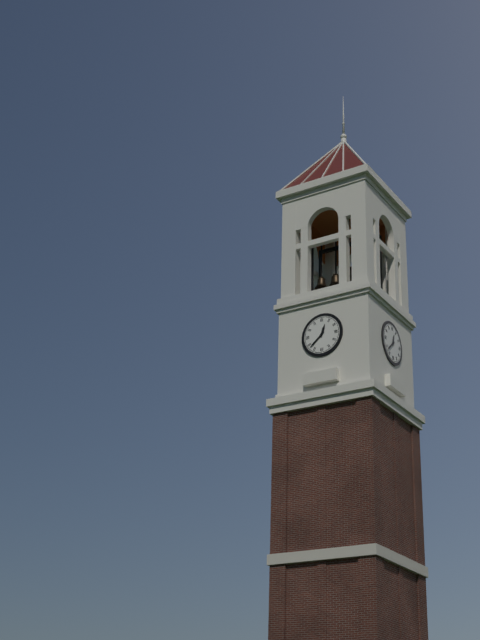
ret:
{"hour": 12, "minute": 38}
